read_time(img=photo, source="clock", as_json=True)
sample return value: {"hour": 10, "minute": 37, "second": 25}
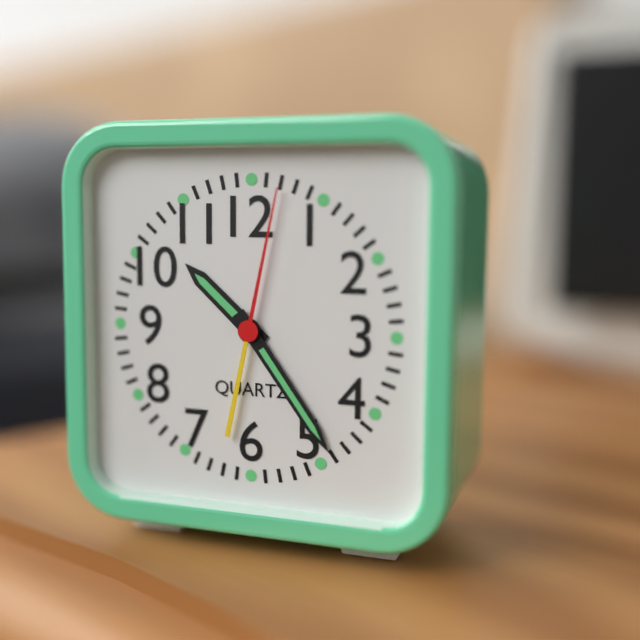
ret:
{"hour": 10, "minute": 24, "second": 2}
